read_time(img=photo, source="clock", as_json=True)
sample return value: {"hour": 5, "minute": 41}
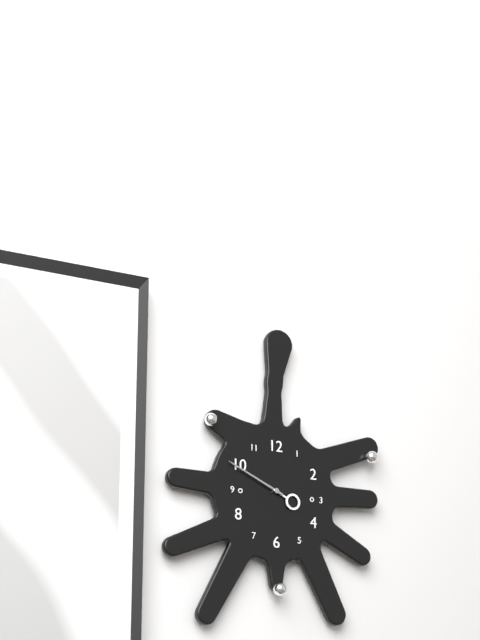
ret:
{"hour": 3, "minute": 49}
